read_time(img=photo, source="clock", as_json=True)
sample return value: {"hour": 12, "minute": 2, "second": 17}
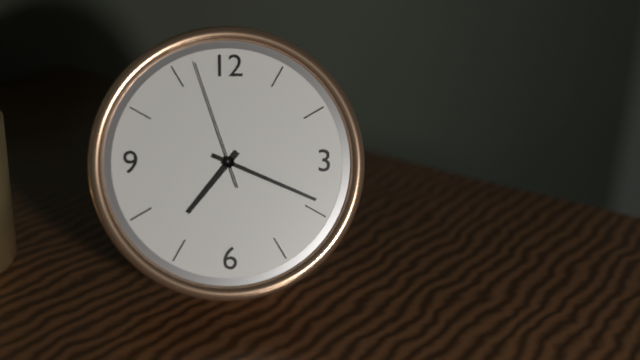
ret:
{"hour": 7, "minute": 19, "second": 57}
